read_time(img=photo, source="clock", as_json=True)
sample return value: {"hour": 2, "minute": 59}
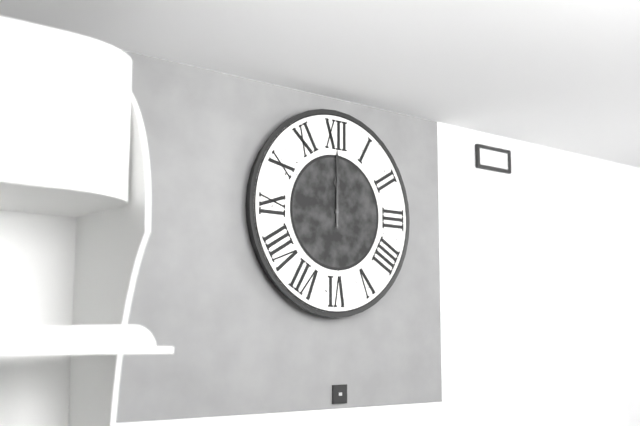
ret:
{"hour": 12, "minute": 0}
